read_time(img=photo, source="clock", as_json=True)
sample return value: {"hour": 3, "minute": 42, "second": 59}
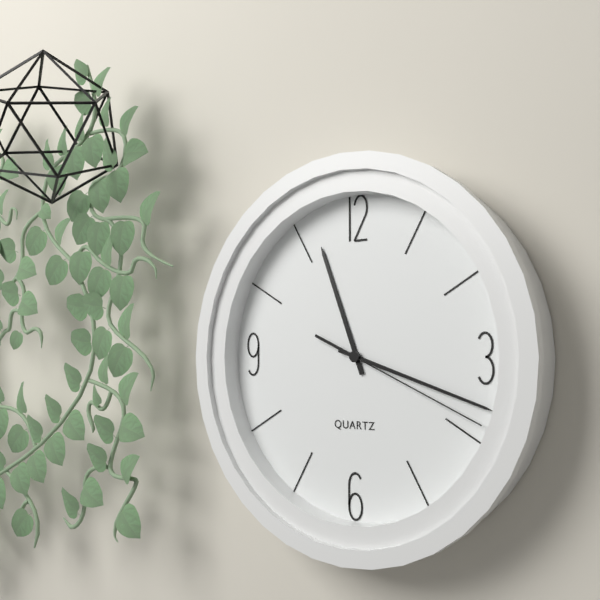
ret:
{"hour": 11, "minute": 18, "second": 19}
